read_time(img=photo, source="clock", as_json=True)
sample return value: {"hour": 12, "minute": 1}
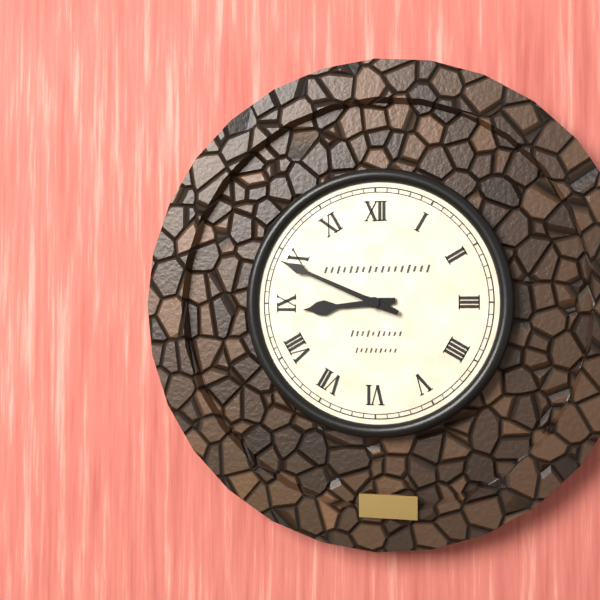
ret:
{"hour": 8, "minute": 49}
